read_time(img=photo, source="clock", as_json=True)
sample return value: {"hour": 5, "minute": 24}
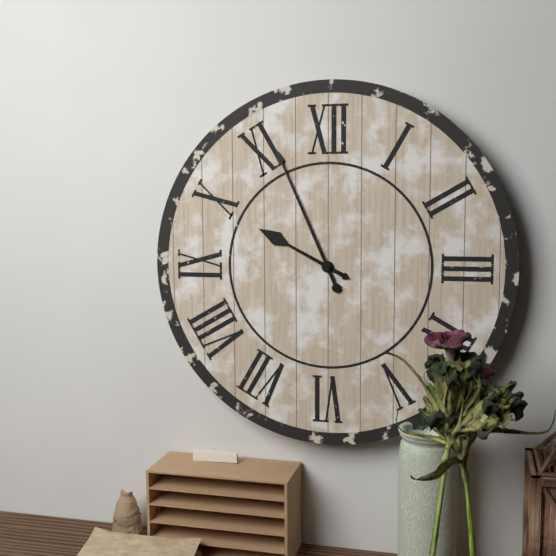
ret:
{"hour": 9, "minute": 56}
